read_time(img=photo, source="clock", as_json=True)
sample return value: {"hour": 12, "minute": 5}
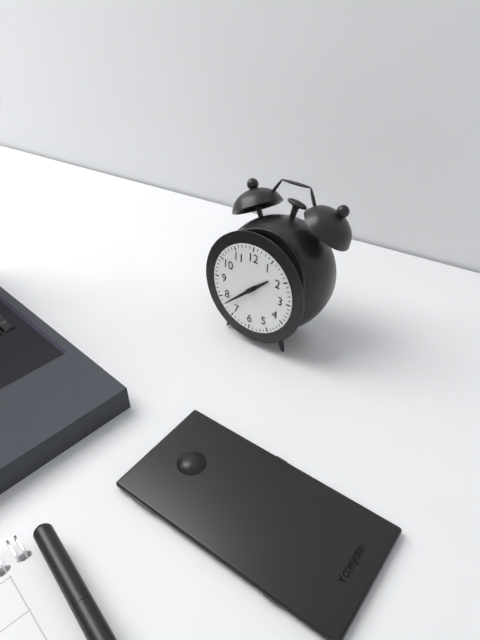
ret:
{"hour": 1, "minute": 38}
